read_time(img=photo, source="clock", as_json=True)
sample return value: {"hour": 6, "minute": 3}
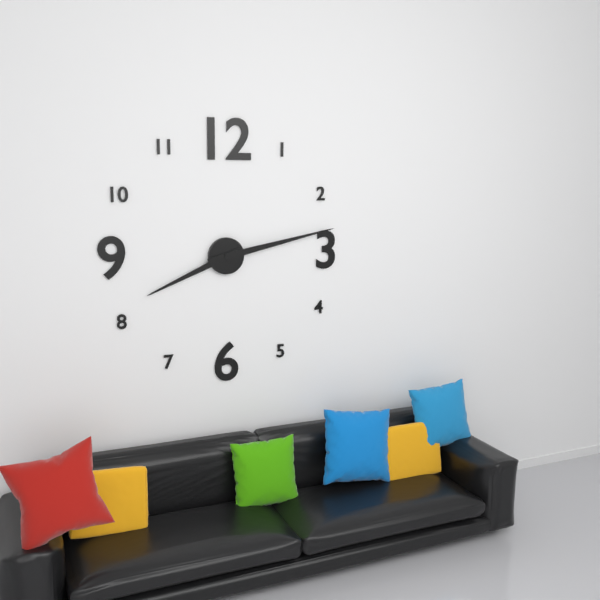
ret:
{"hour": 8, "minute": 13}
